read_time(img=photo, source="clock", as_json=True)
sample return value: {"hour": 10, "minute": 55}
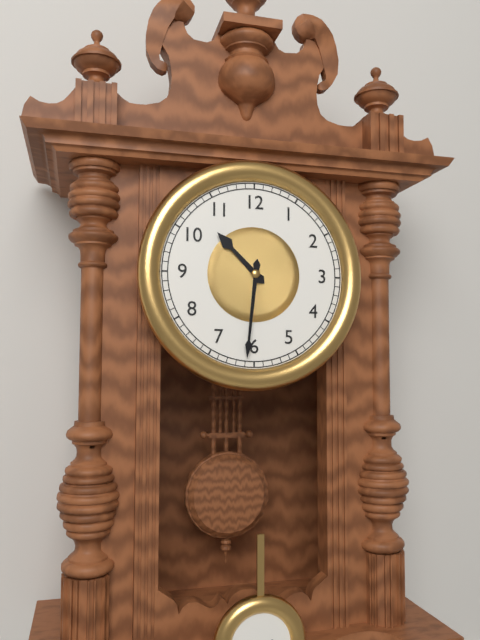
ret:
{"hour": 10, "minute": 31}
